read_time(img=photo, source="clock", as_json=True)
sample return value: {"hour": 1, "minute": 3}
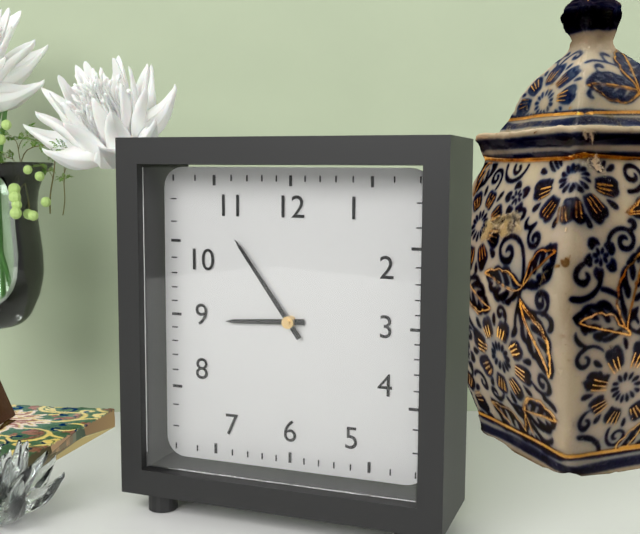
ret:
{"hour": 8, "minute": 54}
